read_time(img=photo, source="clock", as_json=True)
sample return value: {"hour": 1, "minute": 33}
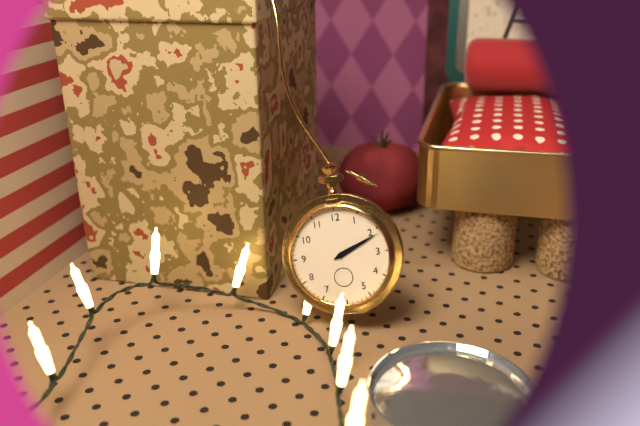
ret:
{"hour": 2, "minute": 11}
